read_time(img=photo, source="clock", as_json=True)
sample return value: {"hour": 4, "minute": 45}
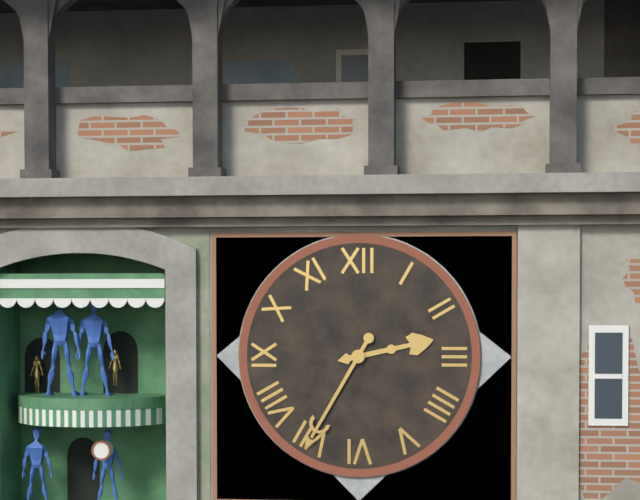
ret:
{"hour": 2, "minute": 35}
